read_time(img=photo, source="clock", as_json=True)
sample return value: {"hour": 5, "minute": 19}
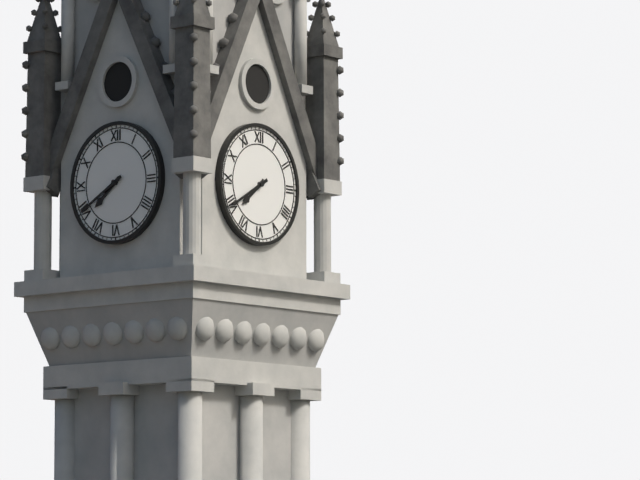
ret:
{"hour": 7, "minute": 40}
